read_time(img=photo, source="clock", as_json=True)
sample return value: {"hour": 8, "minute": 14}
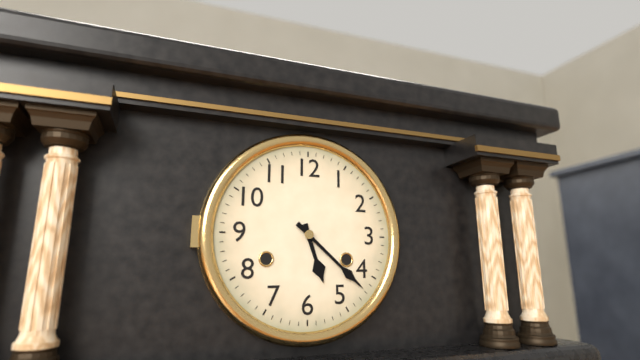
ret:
{"hour": 5, "minute": 22}
